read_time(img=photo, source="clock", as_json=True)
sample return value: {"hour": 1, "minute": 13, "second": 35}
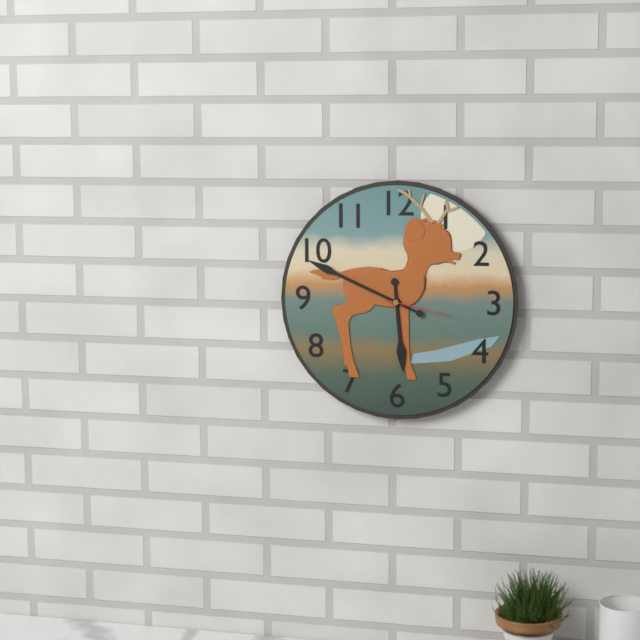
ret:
{"hour": 5, "minute": 49, "second": 17}
